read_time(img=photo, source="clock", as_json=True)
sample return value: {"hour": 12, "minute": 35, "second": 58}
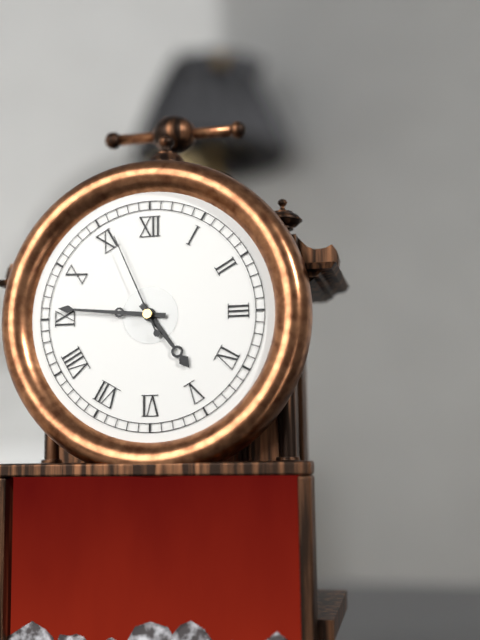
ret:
{"hour": 4, "minute": 46, "second": 56}
